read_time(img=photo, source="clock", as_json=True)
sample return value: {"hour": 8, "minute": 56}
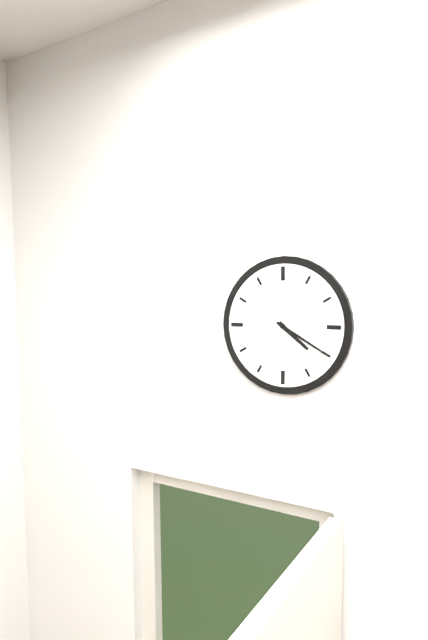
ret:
{"hour": 4, "minute": 20}
